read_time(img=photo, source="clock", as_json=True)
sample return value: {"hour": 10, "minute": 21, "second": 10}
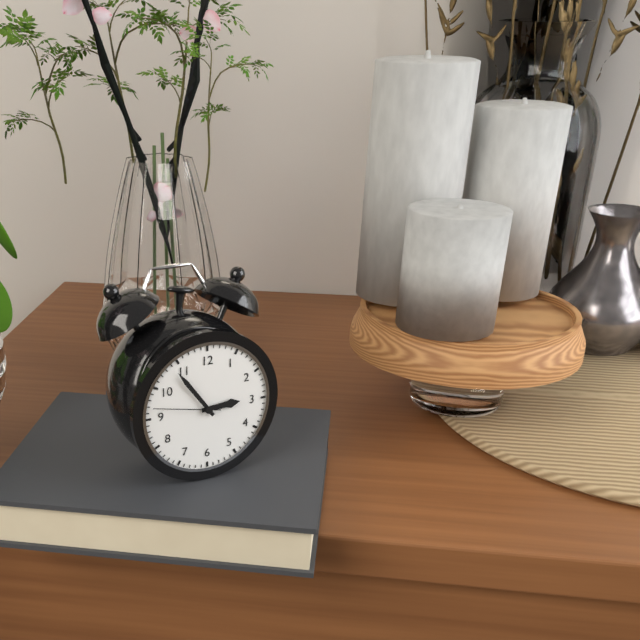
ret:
{"hour": 2, "minute": 54, "second": 47}
